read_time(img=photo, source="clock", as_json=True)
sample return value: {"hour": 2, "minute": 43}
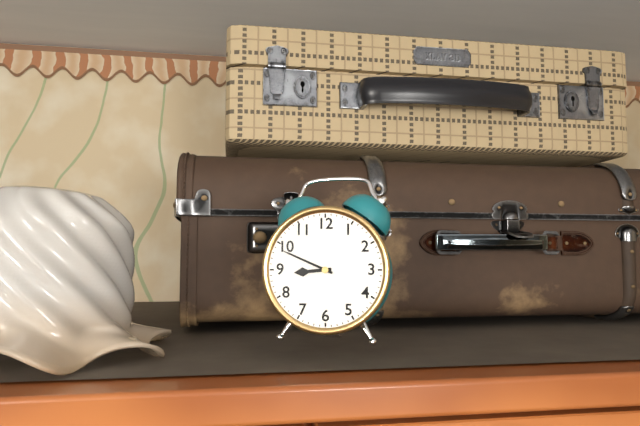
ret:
{"hour": 8, "minute": 49}
